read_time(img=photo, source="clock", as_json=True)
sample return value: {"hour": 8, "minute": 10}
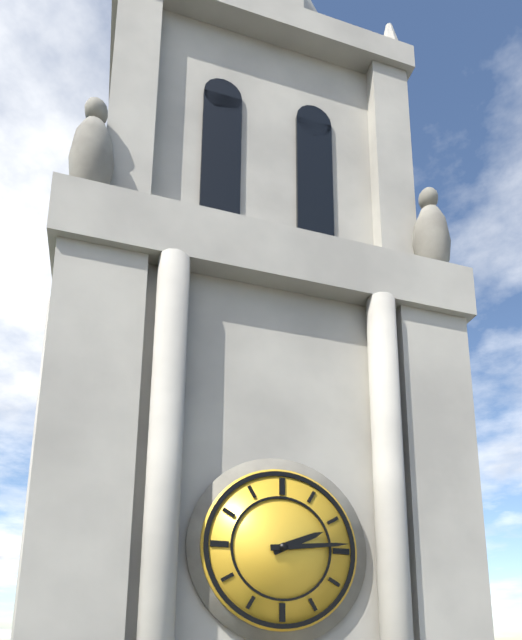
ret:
{"hour": 2, "minute": 14}
